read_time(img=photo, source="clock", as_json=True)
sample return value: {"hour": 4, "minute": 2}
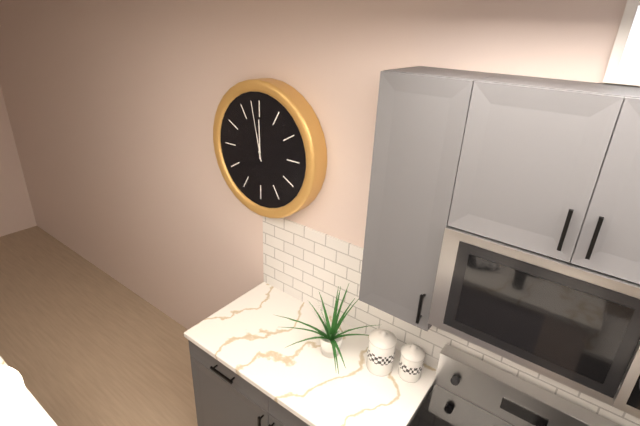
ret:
{"hour": 11, "minute": 58}
